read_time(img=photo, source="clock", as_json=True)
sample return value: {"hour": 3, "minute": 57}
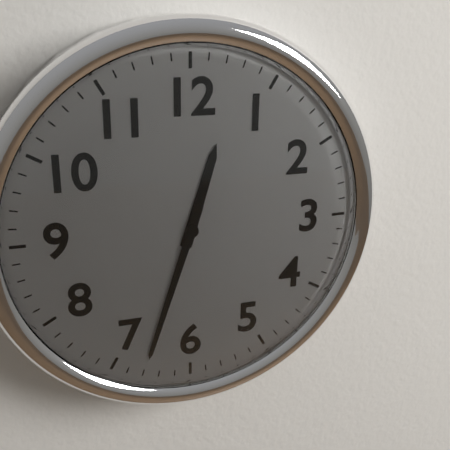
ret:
{"hour": 12, "minute": 33}
